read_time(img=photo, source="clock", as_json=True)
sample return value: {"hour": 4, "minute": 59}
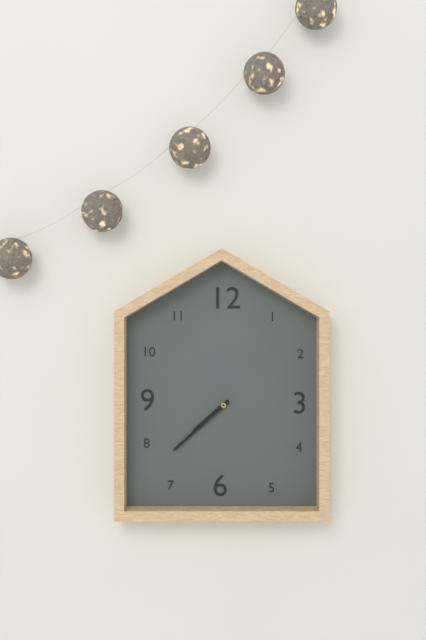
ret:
{"hour": 7, "minute": 38}
